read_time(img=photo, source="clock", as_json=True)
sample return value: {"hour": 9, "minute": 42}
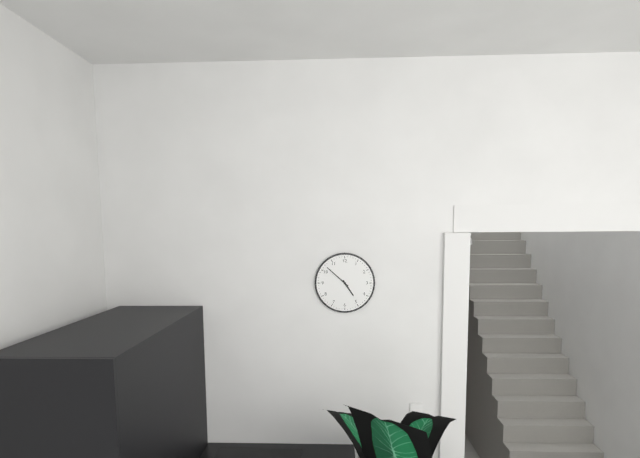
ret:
{"hour": 4, "minute": 52}
